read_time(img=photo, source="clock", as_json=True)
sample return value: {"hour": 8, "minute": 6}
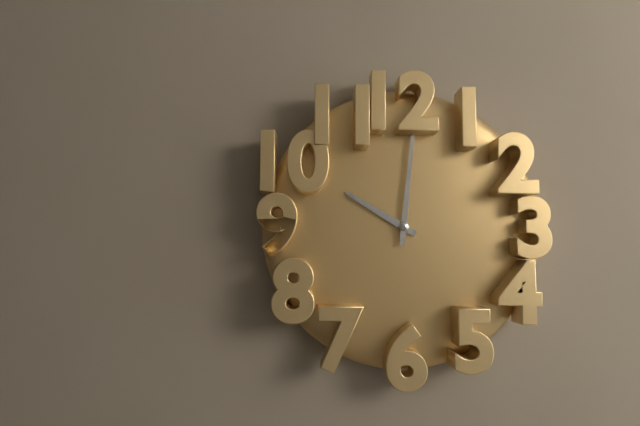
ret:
{"hour": 10, "minute": 1}
